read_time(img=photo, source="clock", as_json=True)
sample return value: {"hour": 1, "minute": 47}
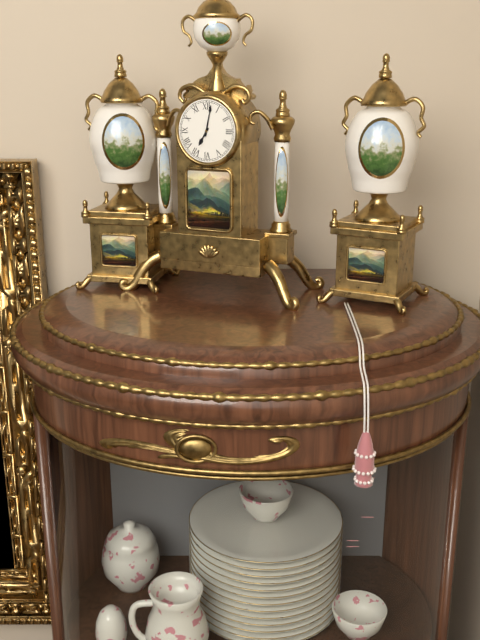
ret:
{"hour": 7, "minute": 2}
